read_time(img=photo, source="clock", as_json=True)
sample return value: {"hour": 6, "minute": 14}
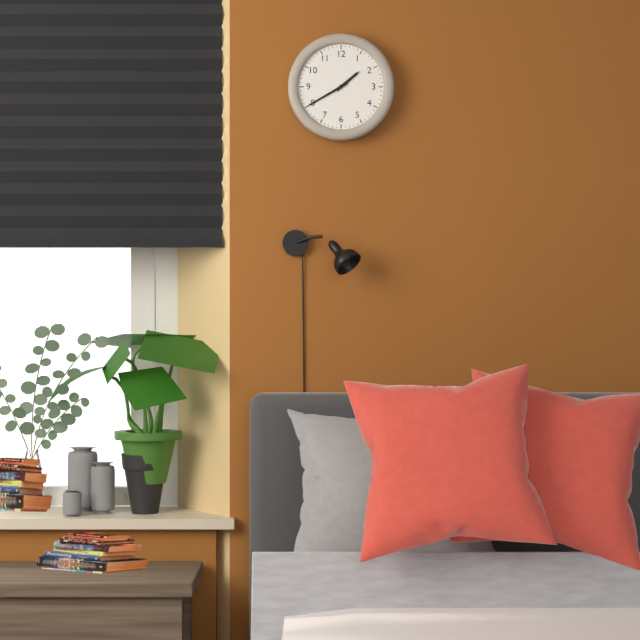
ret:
{"hour": 1, "minute": 40}
